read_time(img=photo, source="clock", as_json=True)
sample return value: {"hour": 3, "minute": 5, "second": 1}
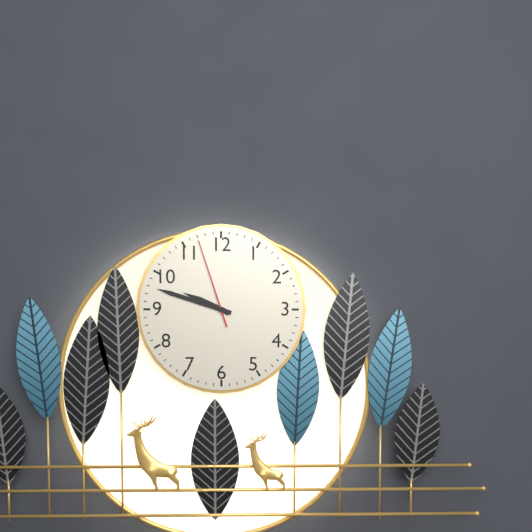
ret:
{"hour": 9, "minute": 48, "second": 57}
